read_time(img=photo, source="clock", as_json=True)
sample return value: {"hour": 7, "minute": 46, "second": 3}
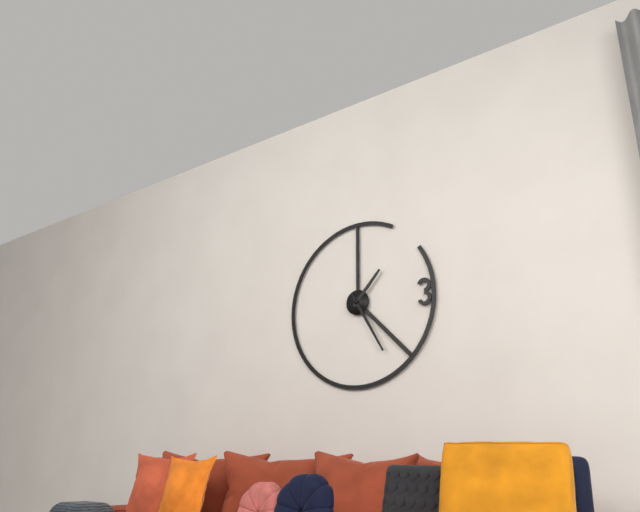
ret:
{"hour": 1, "minute": 25, "second": 25}
